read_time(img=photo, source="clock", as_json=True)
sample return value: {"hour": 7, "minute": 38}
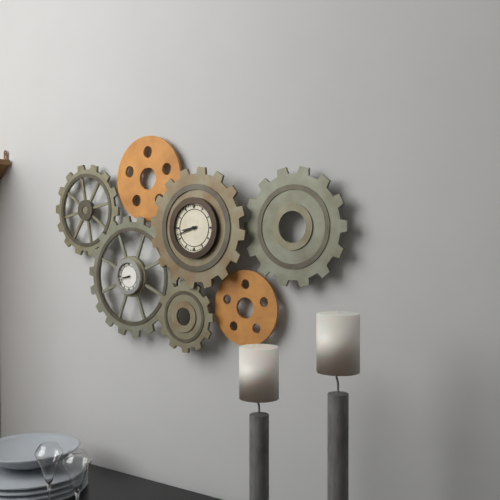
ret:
{"hour": 8, "minute": 42}
